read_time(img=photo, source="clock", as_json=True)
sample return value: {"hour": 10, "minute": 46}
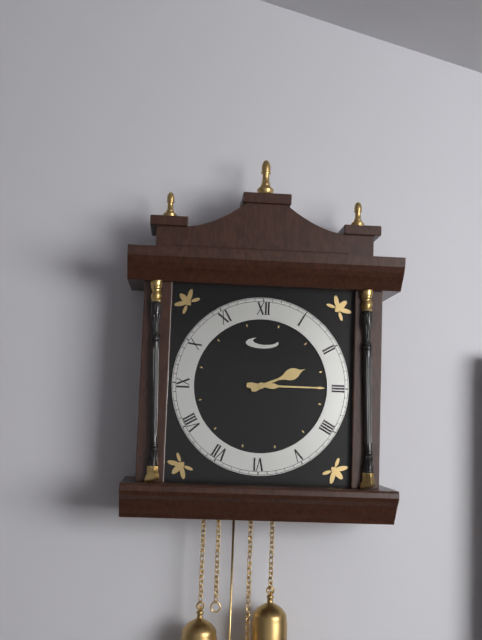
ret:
{"hour": 2, "minute": 15}
